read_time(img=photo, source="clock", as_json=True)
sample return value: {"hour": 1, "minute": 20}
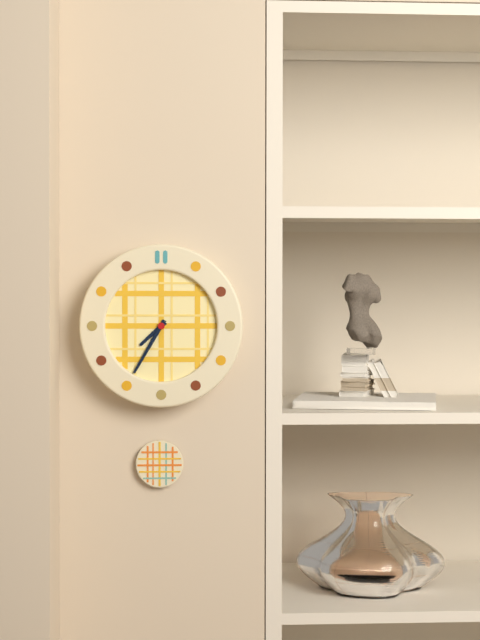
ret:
{"hour": 7, "minute": 35}
